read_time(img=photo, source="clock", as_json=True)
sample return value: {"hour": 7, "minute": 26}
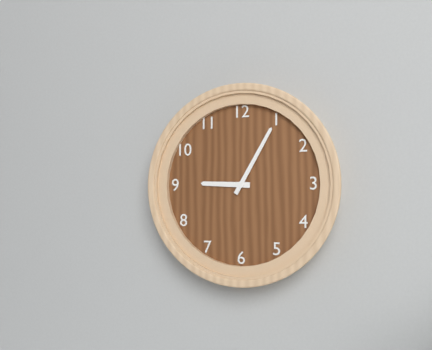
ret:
{"hour": 9, "minute": 5}
